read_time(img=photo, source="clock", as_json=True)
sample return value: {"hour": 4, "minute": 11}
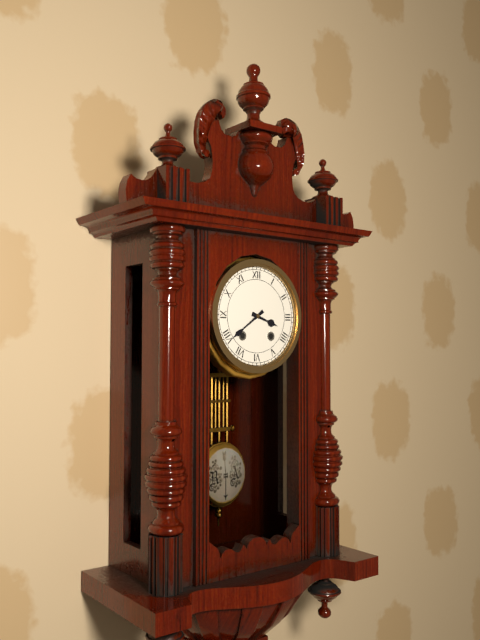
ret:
{"hour": 3, "minute": 39}
